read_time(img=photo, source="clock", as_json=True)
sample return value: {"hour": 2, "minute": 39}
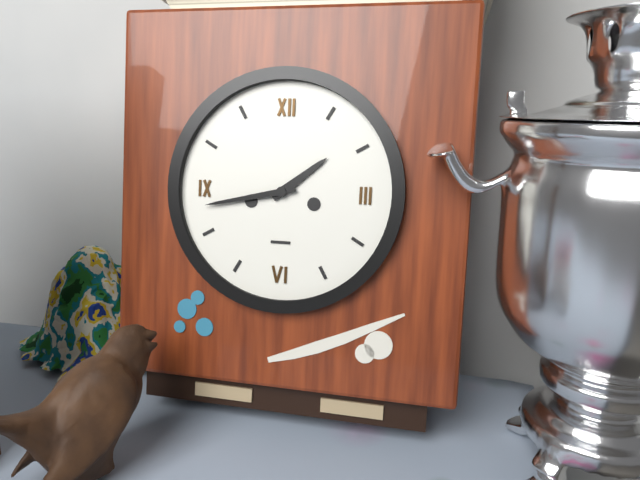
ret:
{"hour": 1, "minute": 43}
